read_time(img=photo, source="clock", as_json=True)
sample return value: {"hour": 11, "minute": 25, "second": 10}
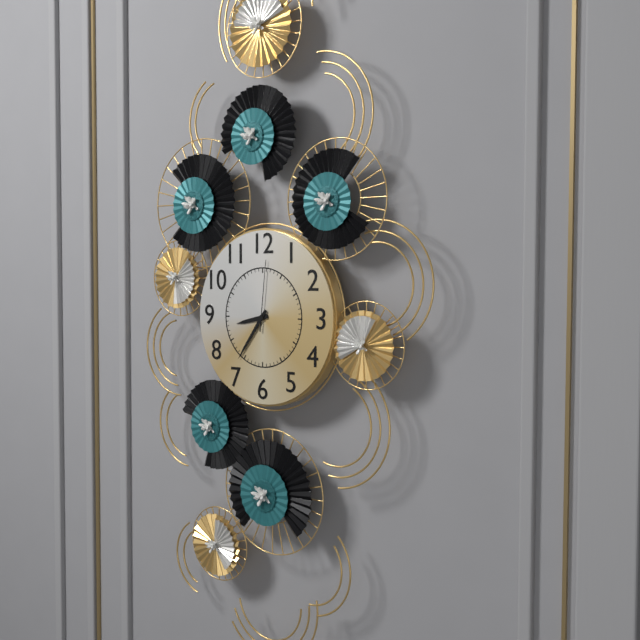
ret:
{"hour": 8, "minute": 36, "second": 1}
